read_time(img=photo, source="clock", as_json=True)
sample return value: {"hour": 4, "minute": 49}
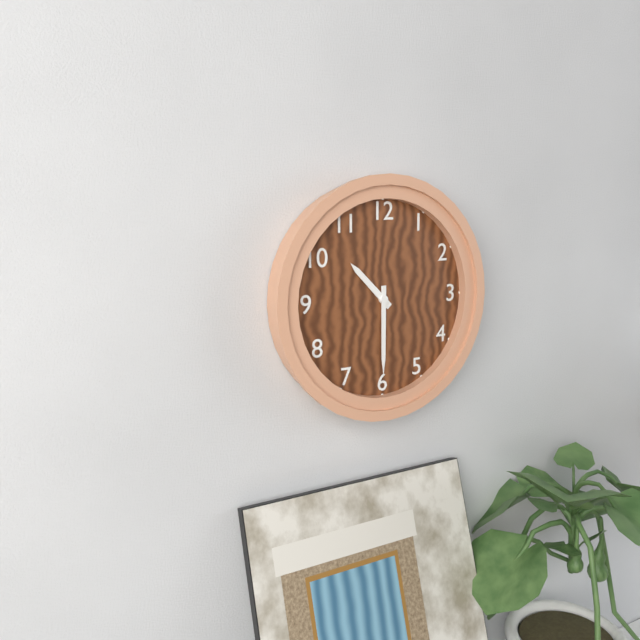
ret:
{"hour": 10, "minute": 30}
